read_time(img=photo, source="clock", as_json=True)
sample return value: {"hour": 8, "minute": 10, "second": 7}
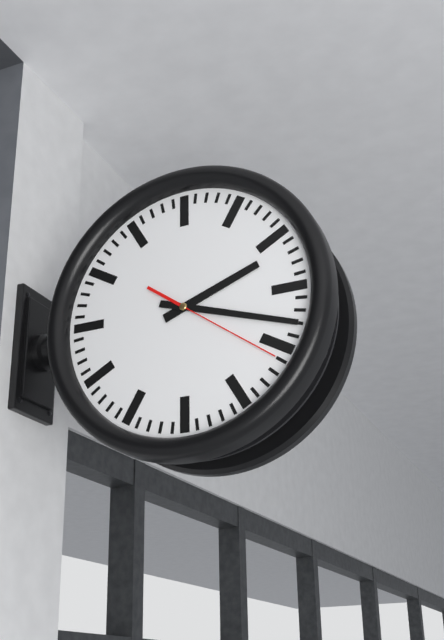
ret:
{"hour": 2, "minute": 18, "second": 21}
